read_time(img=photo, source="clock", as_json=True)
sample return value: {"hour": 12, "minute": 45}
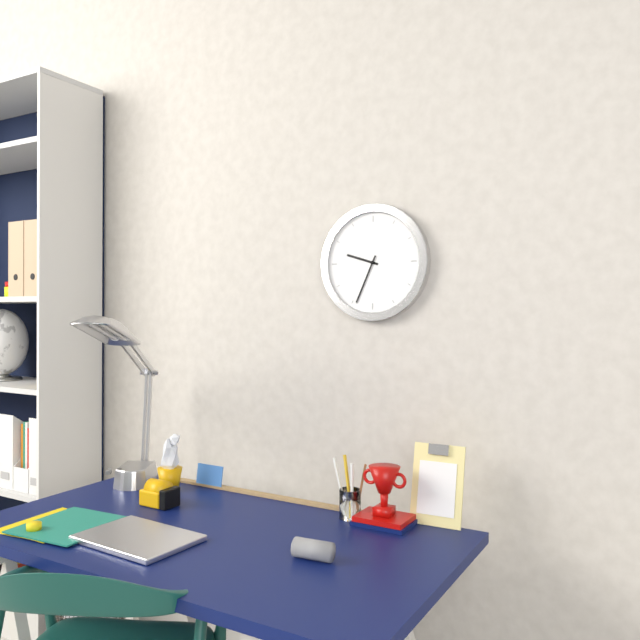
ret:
{"hour": 9, "minute": 34}
